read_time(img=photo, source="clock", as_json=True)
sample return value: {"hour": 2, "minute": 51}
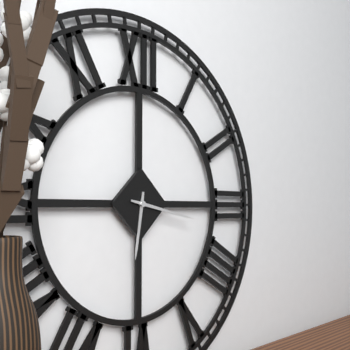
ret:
{"hour": 6, "minute": 17}
